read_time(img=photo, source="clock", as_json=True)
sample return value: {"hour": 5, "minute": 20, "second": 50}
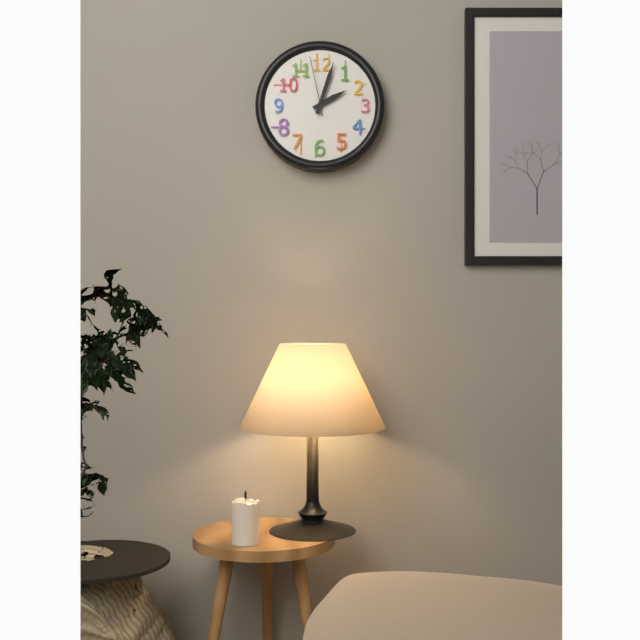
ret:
{"hour": 2, "minute": 3, "second": 58}
